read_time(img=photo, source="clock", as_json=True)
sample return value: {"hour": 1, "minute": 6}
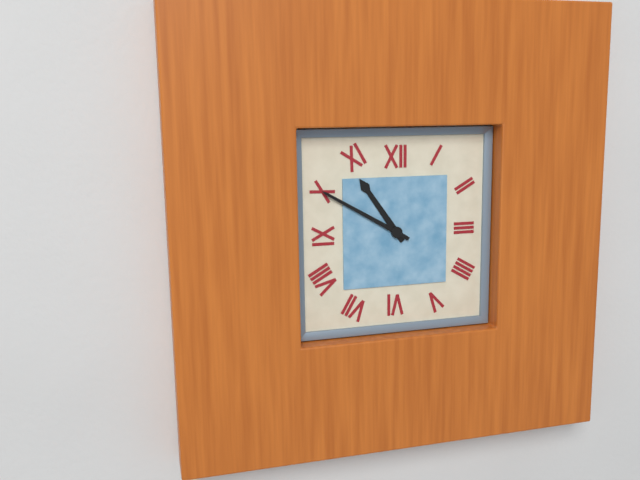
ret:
{"hour": 10, "minute": 50}
